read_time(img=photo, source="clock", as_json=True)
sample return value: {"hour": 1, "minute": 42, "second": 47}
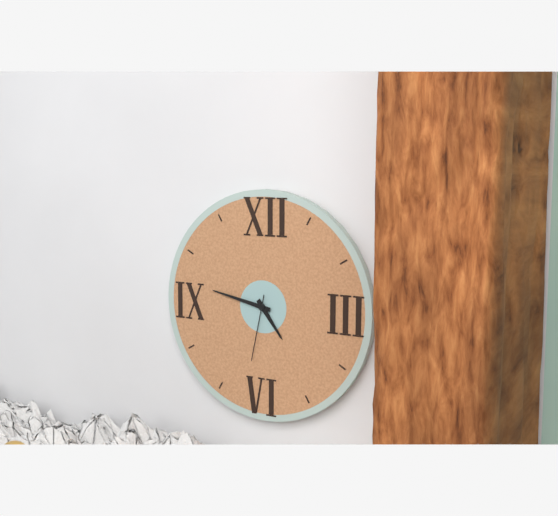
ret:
{"hour": 4, "minute": 47, "second": 32}
